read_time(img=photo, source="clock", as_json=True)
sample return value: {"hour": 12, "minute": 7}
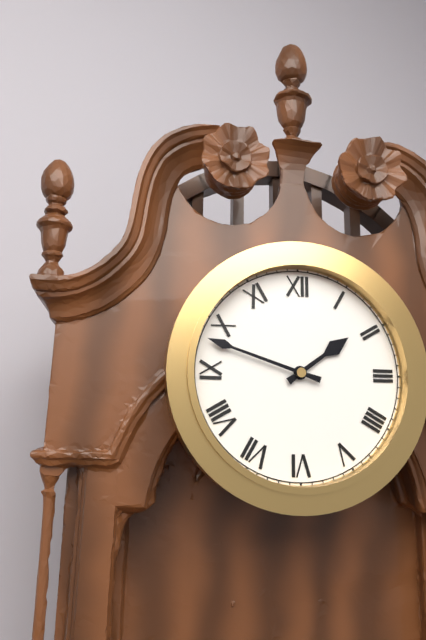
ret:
{"hour": 1, "minute": 48}
